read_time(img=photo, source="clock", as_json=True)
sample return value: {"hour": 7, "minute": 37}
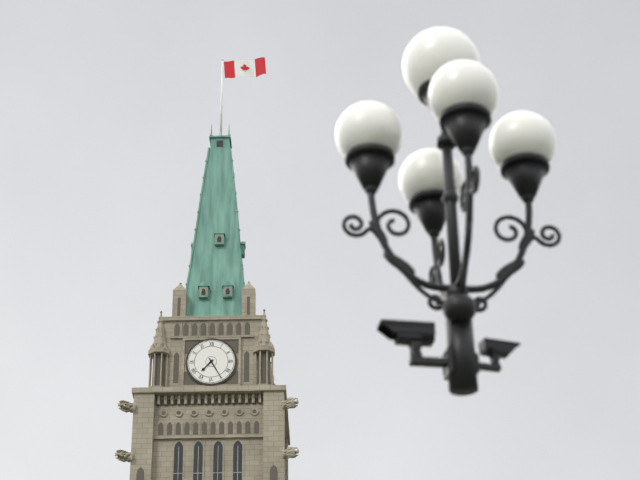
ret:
{"hour": 7, "minute": 25}
